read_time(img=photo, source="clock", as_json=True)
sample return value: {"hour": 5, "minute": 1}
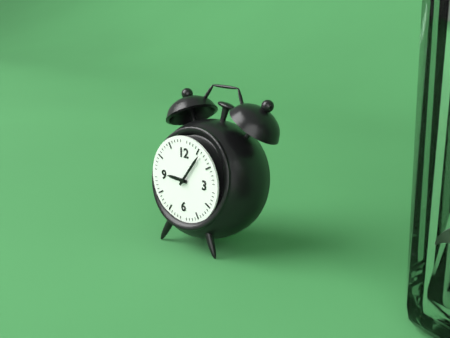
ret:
{"hour": 9, "minute": 6}
